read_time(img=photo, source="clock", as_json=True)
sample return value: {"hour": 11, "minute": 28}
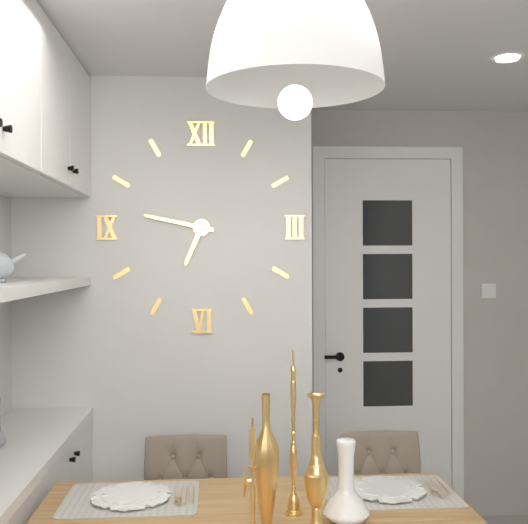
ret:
{"hour": 6, "minute": 47}
